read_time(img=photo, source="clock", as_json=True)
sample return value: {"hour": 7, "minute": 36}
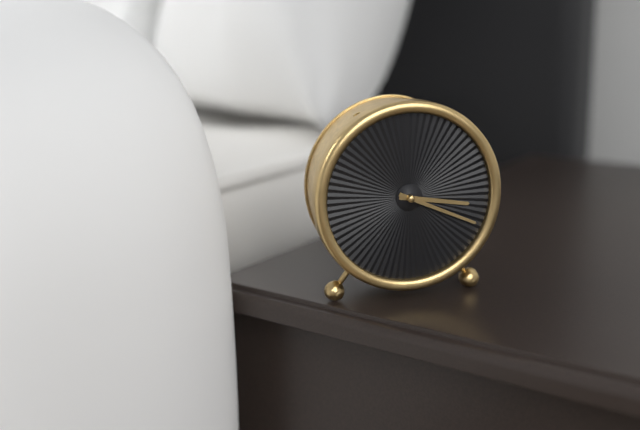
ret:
{"hour": 3, "minute": 19}
